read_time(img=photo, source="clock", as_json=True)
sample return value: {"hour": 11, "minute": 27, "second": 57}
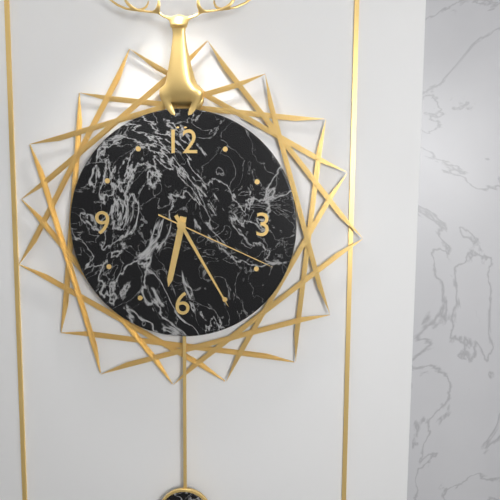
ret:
{"hour": 6, "minute": 25, "second": 19}
